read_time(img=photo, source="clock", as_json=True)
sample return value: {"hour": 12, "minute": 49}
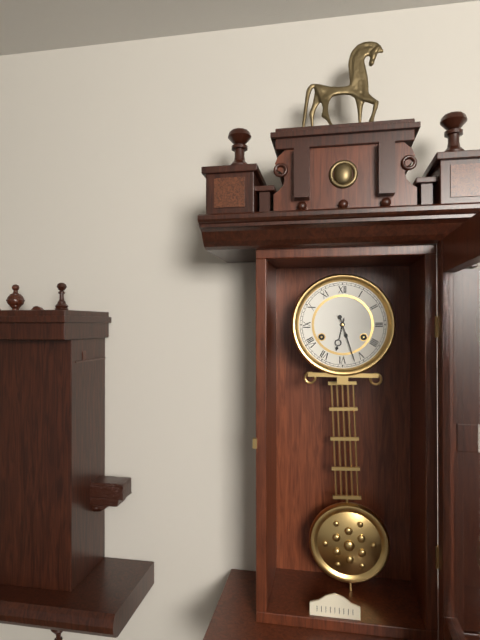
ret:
{"hour": 6, "minute": 27}
